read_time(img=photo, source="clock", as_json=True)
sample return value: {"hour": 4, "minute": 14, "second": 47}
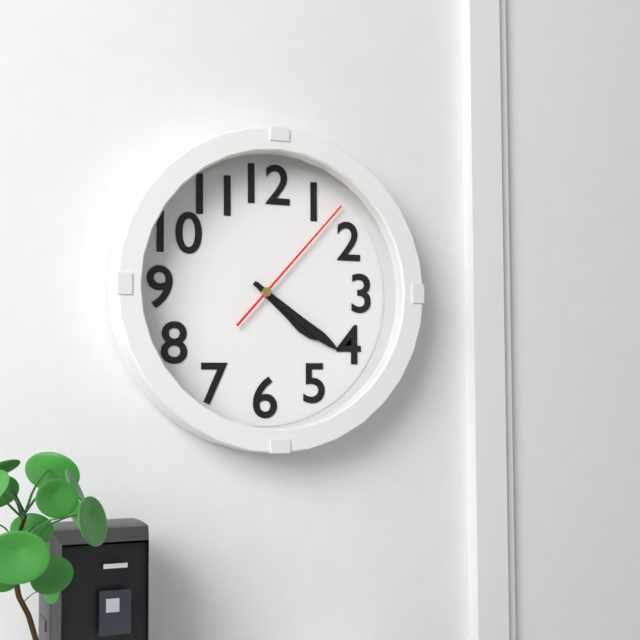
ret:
{"hour": 4, "minute": 21, "second": 7}
